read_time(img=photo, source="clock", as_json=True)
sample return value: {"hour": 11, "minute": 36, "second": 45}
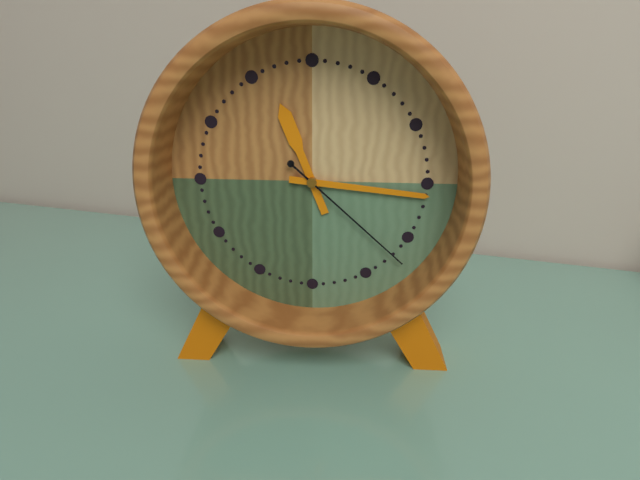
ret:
{"hour": 11, "minute": 16, "second": 22}
